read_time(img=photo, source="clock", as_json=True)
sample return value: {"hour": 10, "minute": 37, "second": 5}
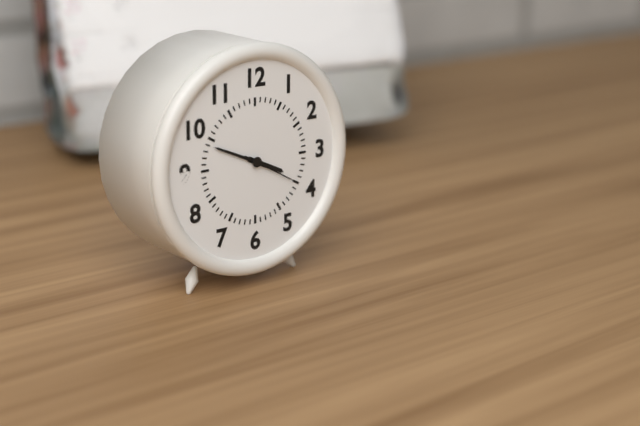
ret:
{"hour": 3, "minute": 49, "second": 20}
